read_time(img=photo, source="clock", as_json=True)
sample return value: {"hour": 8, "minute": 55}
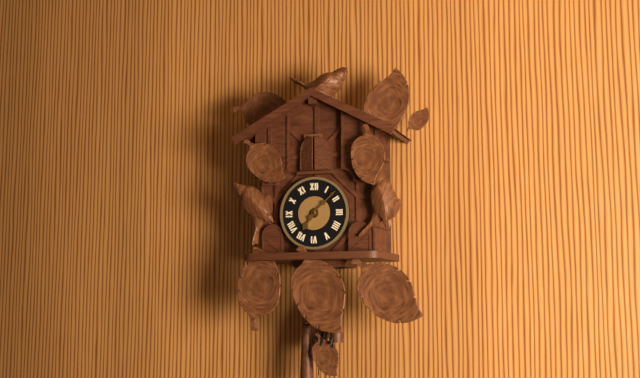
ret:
{"hour": 7, "minute": 8}
